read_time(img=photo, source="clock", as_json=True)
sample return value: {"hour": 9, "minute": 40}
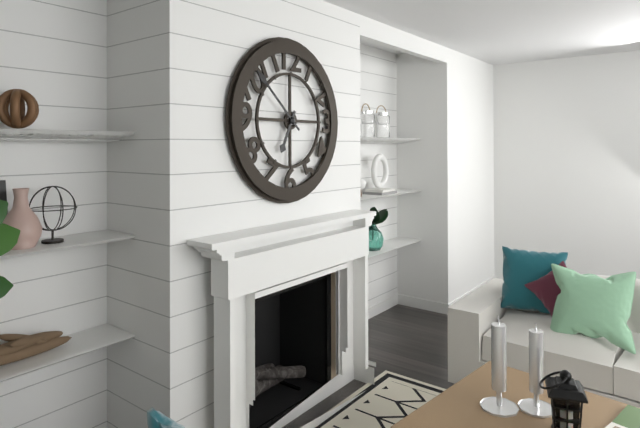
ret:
{"hour": 6, "minute": 52}
